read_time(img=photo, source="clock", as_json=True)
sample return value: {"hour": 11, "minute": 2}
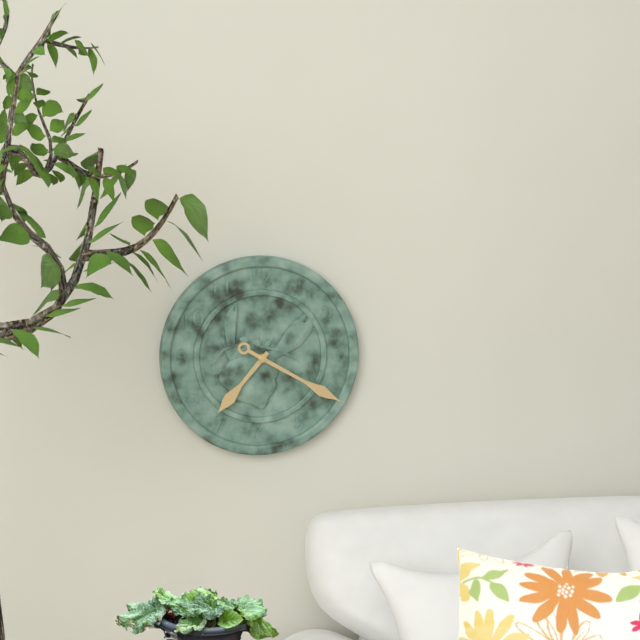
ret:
{"hour": 7, "minute": 20}
